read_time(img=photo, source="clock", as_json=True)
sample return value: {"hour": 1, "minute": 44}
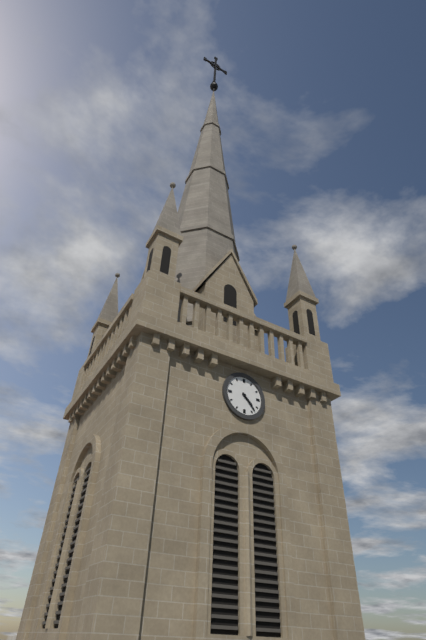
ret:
{"hour": 4, "minute": 23}
